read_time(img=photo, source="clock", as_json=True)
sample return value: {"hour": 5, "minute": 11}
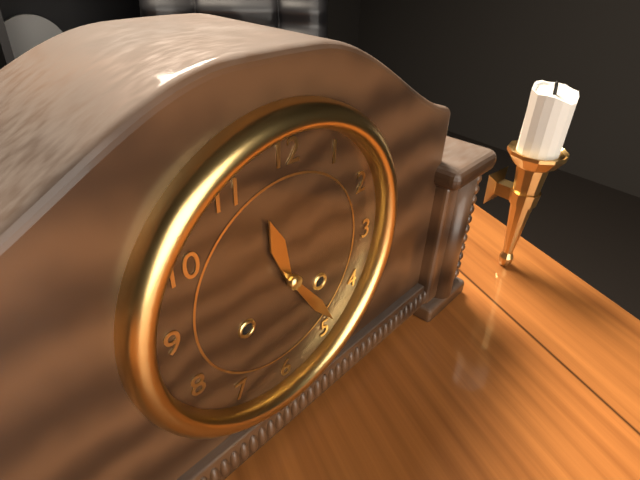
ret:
{"hour": 11, "minute": 24}
